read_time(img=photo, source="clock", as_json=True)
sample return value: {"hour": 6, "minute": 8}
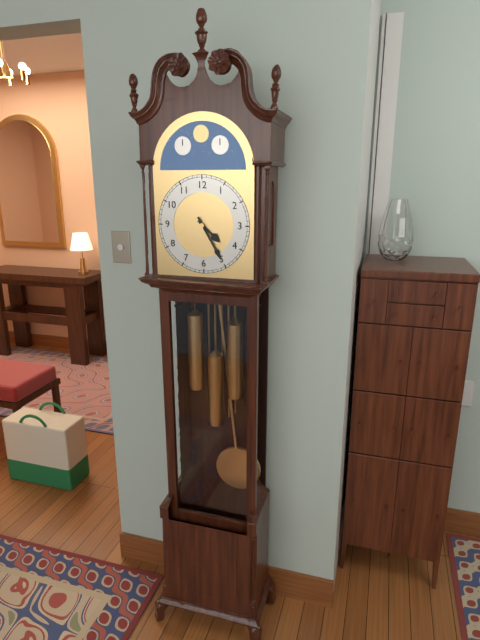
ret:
{"hour": 4, "minute": 25}
